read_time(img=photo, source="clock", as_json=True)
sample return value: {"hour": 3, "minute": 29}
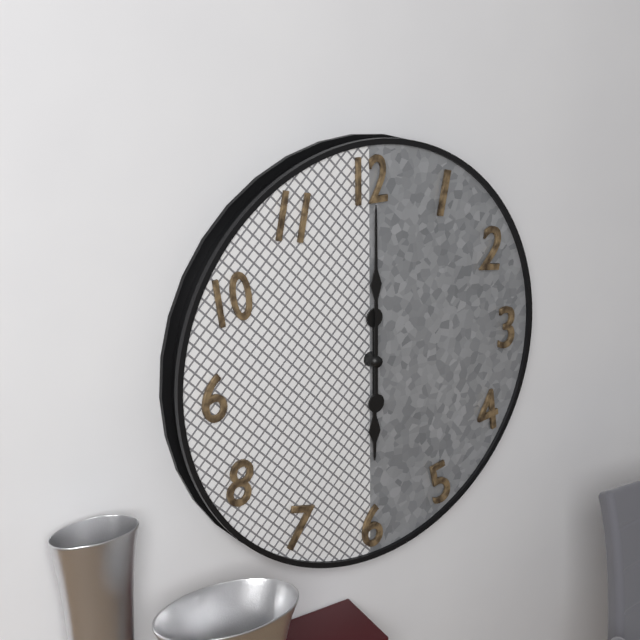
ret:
{"hour": 6, "minute": 0}
